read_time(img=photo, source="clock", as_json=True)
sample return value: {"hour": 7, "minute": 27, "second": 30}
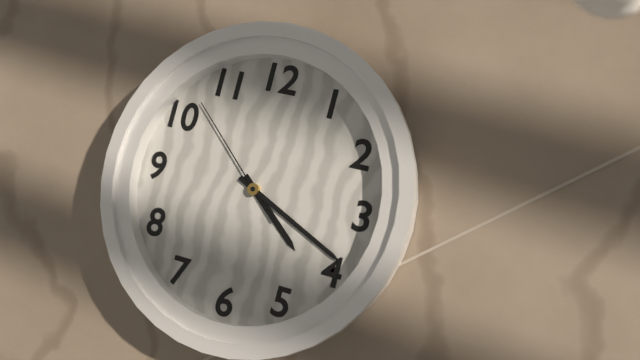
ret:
{"hour": 4, "minute": 19, "second": 52}
